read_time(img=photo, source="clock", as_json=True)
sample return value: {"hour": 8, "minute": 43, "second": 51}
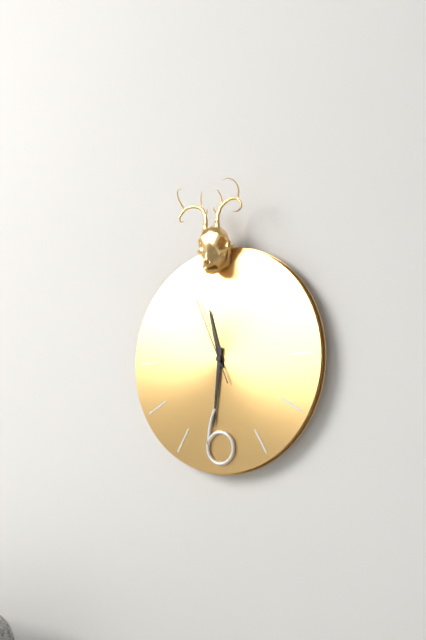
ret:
{"hour": 11, "minute": 31, "second": 56}
